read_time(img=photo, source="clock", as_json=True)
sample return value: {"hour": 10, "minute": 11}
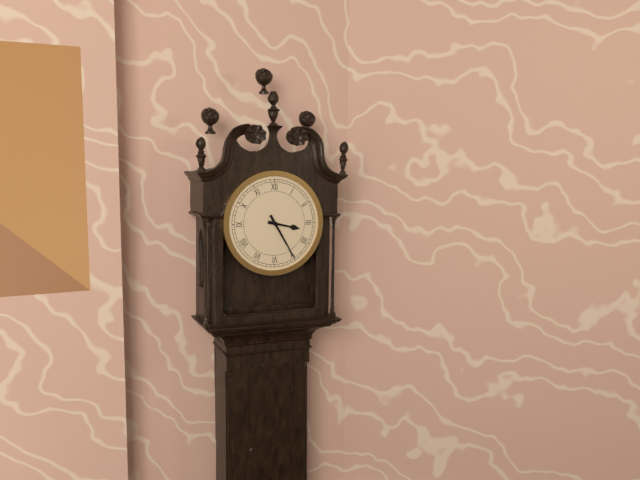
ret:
{"hour": 3, "minute": 25}
